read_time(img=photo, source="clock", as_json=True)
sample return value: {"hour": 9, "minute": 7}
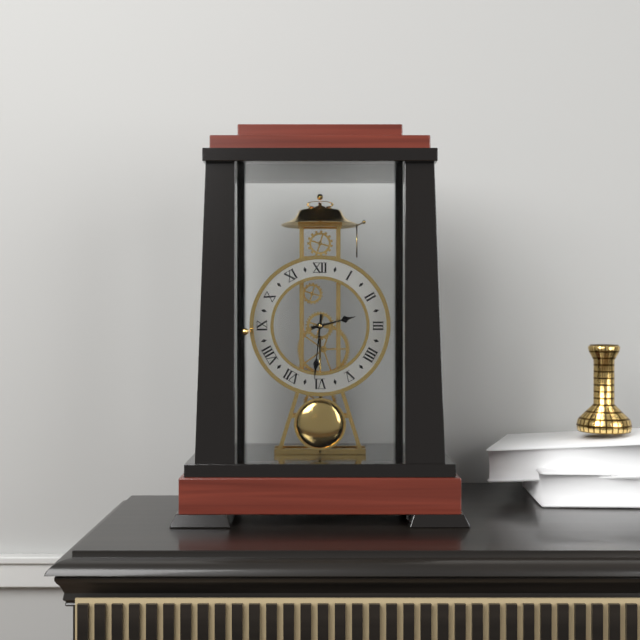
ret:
{"hour": 2, "minute": 31}
